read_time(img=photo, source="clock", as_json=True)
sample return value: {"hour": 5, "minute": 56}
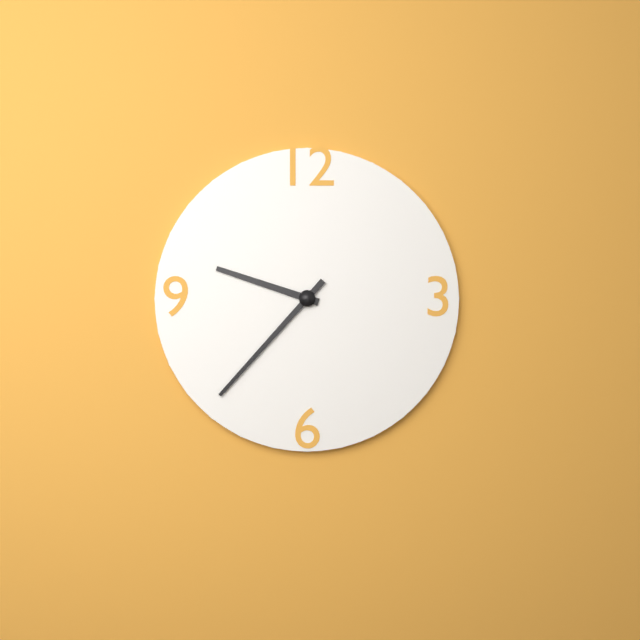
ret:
{"hour": 9, "minute": 37}
